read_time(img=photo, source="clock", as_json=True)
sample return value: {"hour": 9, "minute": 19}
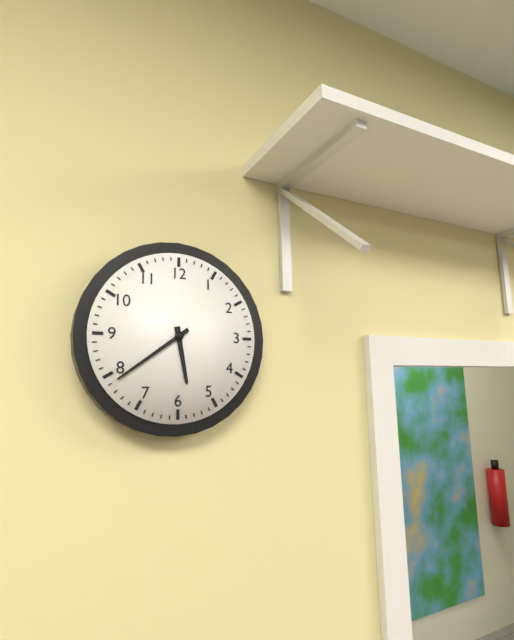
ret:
{"hour": 5, "minute": 39}
